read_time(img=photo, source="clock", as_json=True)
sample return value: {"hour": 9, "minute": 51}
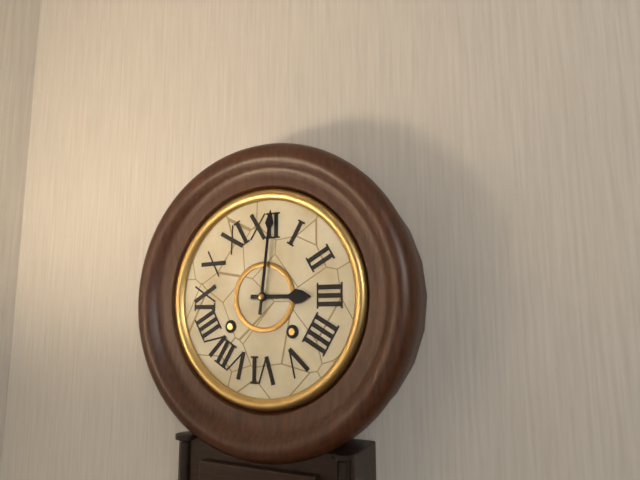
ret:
{"hour": 3, "minute": 1}
